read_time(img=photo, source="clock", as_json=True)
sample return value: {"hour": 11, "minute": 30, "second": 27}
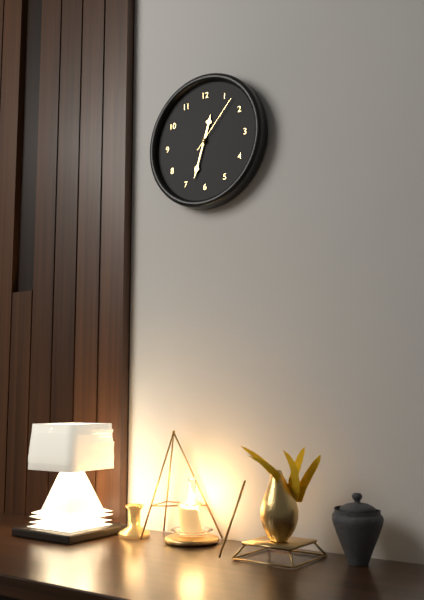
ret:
{"hour": 12, "minute": 33, "second": 7}
